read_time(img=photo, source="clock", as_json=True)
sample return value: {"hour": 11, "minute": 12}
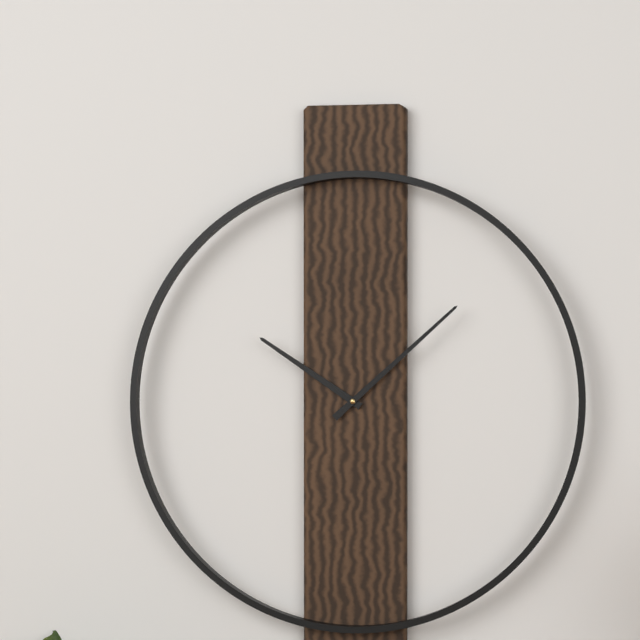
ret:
{"hour": 10, "minute": 8}
